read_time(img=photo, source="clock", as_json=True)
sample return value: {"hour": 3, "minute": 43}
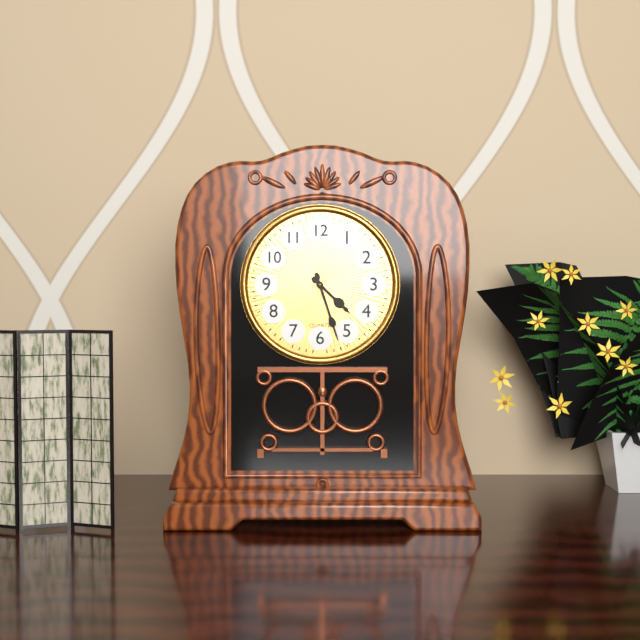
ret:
{"hour": 4, "minute": 27}
